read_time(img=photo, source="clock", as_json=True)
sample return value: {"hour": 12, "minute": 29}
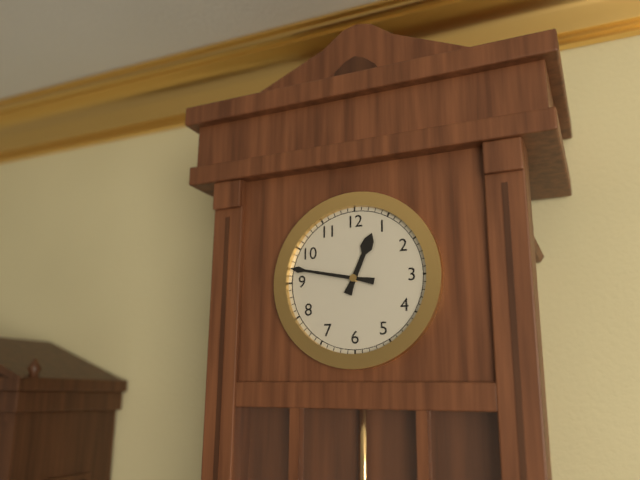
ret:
{"hour": 12, "minute": 47}
